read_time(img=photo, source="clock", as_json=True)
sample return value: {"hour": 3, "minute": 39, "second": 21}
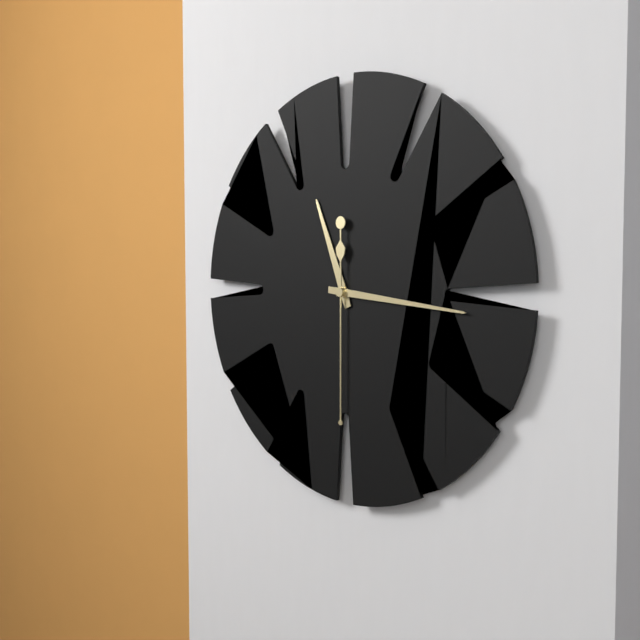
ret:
{"hour": 11, "minute": 16, "second": 30}
